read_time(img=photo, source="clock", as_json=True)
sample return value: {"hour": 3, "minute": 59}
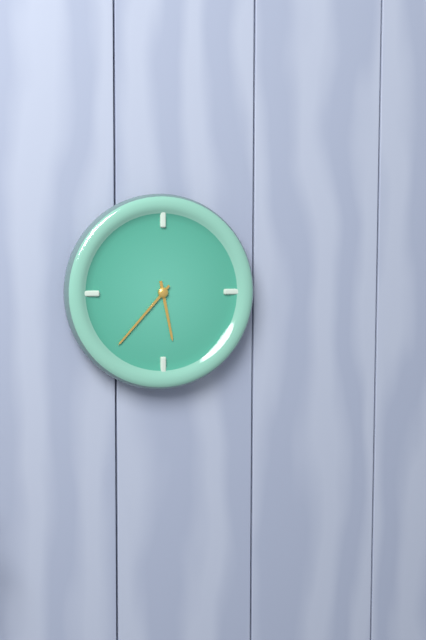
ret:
{"hour": 5, "minute": 37}
